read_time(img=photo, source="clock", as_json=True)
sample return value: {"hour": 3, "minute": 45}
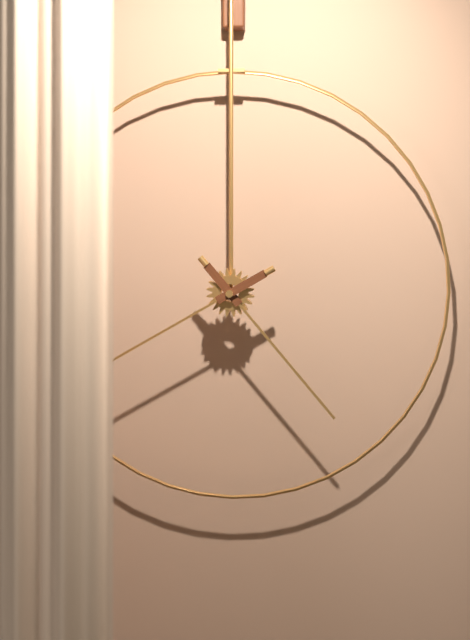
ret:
{"hour": 4, "minute": 40}
